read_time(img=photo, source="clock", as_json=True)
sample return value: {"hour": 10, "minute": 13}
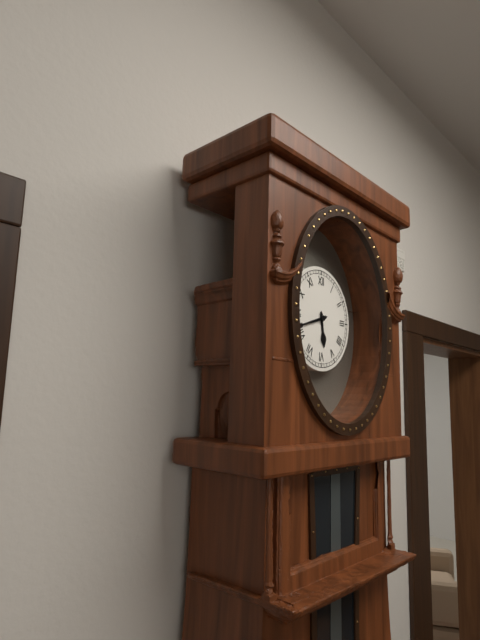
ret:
{"hour": 5, "minute": 42}
